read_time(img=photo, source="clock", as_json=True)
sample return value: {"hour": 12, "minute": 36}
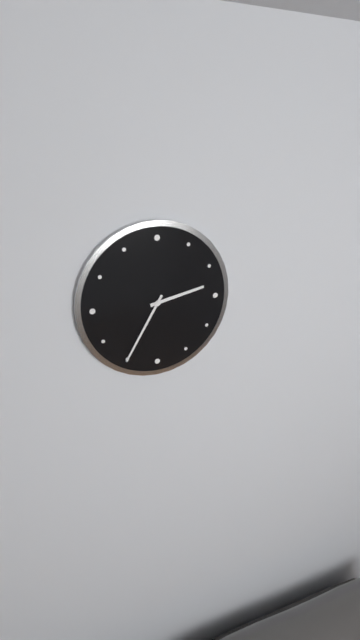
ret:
{"hour": 2, "minute": 35}
